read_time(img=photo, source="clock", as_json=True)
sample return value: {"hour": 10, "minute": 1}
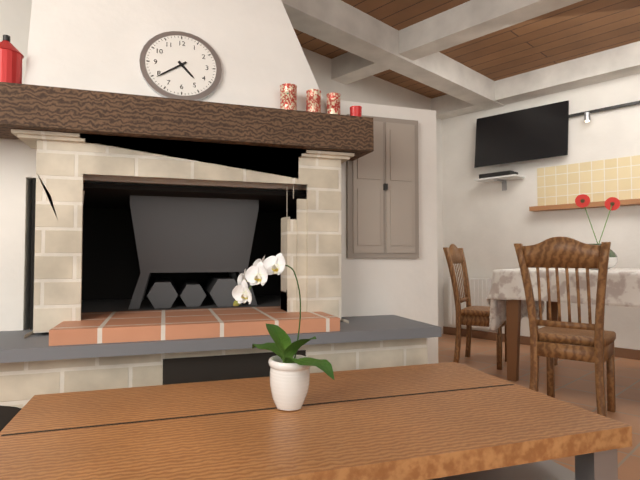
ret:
{"hour": 4, "minute": 39}
